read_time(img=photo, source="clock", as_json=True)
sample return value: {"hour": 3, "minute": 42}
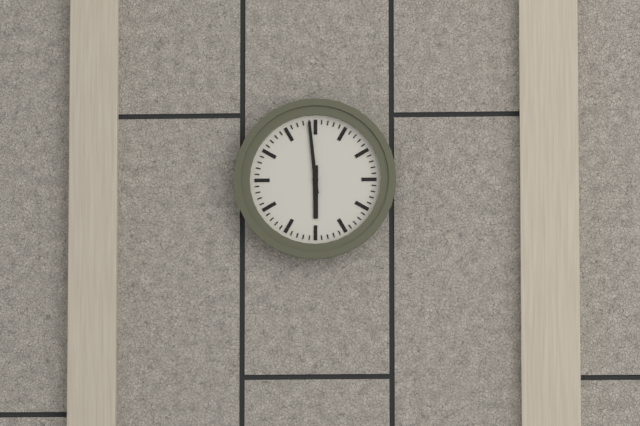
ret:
{"hour": 5, "minute": 59}
